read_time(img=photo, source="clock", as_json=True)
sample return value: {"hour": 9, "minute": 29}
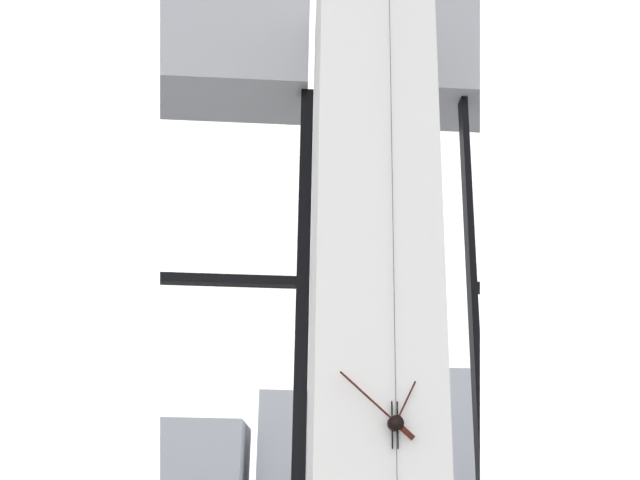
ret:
{"hour": 12, "minute": 52}
